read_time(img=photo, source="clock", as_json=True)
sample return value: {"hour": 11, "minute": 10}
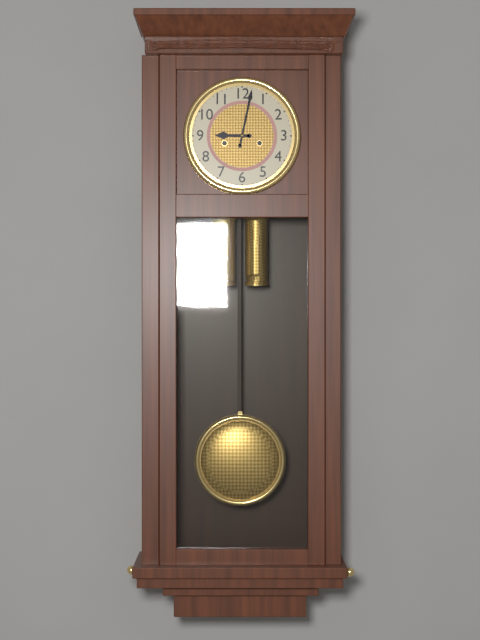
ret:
{"hour": 9, "minute": 2}
